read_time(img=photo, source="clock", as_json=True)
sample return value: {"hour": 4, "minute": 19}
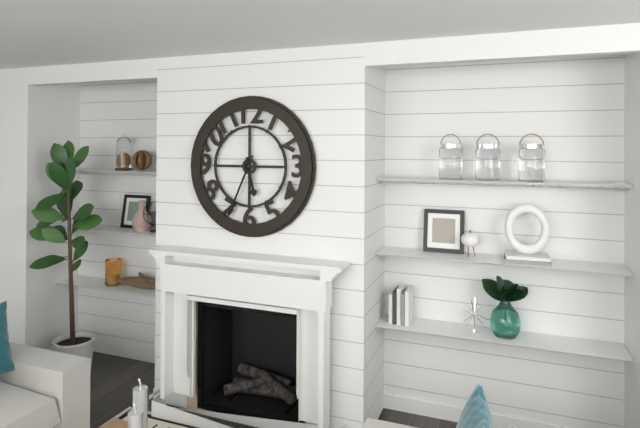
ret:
{"hour": 5, "minute": 34}
